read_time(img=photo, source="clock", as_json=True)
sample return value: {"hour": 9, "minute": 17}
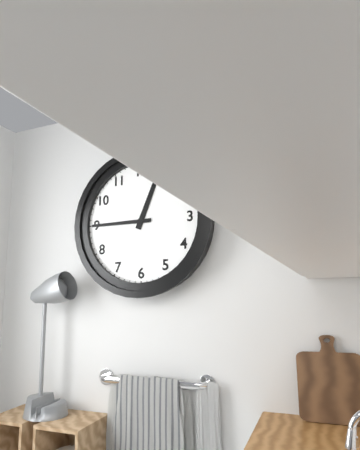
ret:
{"hour": 12, "minute": 45}
